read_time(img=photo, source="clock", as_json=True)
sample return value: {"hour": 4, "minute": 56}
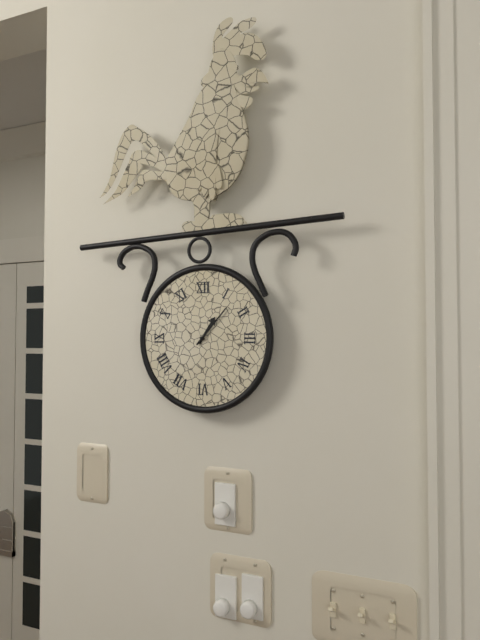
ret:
{"hour": 1, "minute": 7}
